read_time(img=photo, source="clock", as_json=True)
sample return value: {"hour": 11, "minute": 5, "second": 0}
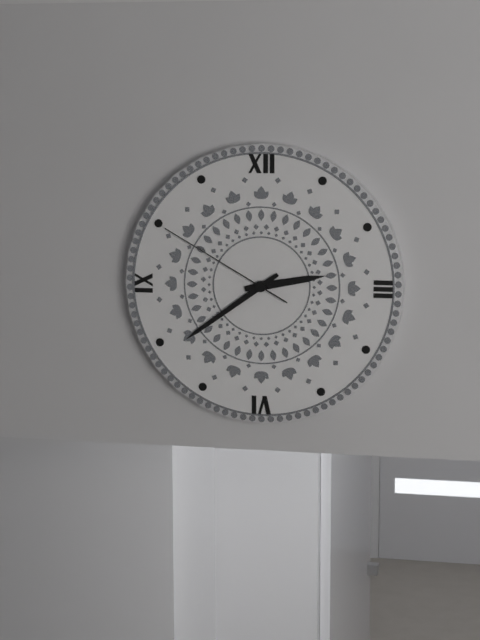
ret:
{"hour": 2, "minute": 39, "second": 50}
